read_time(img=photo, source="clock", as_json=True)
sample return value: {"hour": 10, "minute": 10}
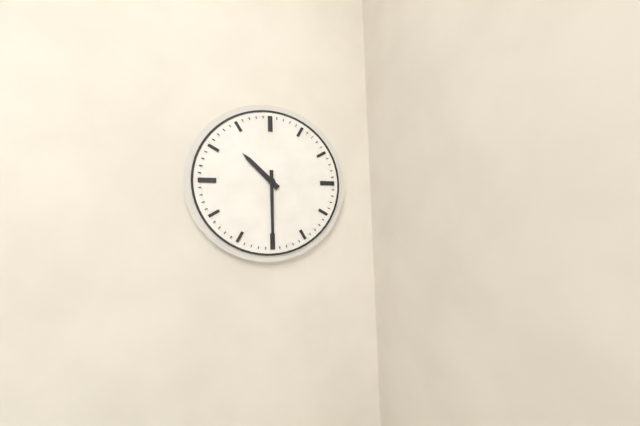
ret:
{"hour": 10, "minute": 30}
